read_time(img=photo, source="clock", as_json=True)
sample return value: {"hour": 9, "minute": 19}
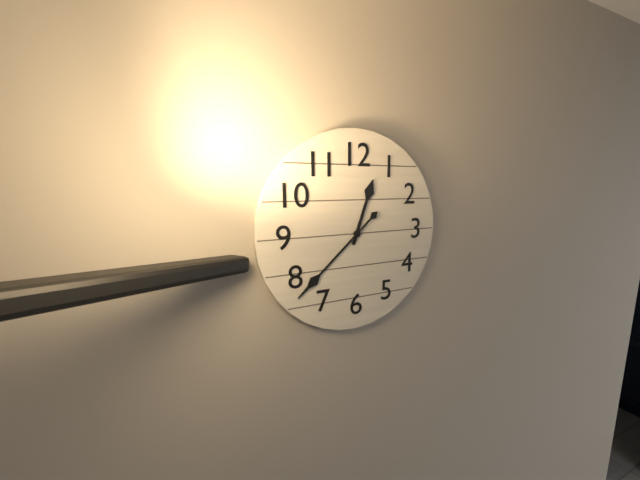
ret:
{"hour": 12, "minute": 38}
